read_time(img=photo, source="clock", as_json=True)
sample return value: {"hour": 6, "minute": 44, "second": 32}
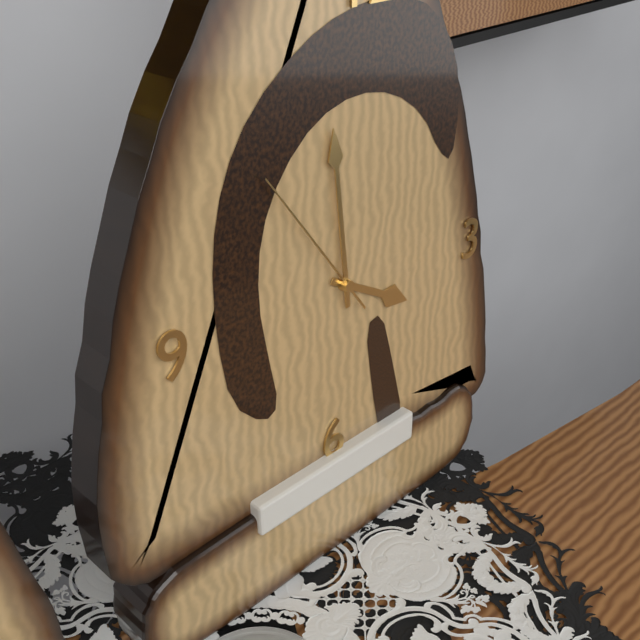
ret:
{"hour": 3, "minute": 59, "second": 54}
